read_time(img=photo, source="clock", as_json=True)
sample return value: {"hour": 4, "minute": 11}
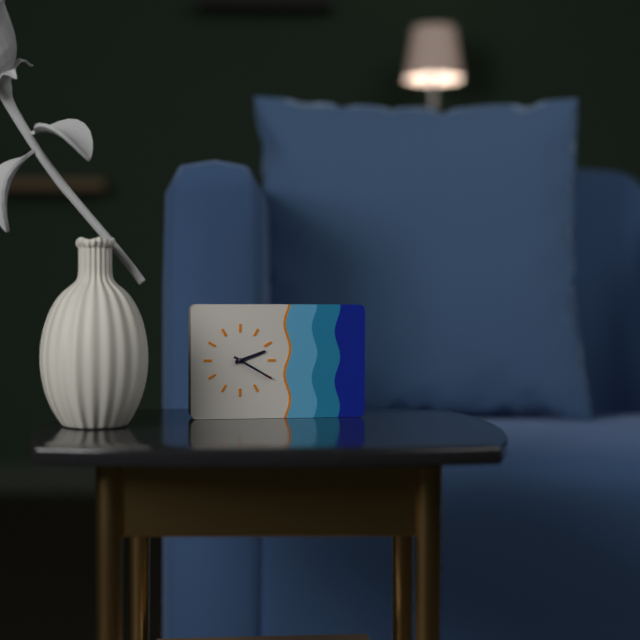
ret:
{"hour": 2, "minute": 20}
